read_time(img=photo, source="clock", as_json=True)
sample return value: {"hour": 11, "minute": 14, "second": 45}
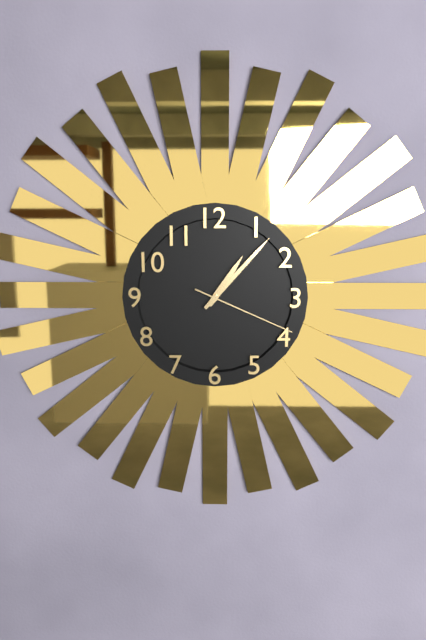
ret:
{"hour": 1, "minute": 7, "second": 19}
